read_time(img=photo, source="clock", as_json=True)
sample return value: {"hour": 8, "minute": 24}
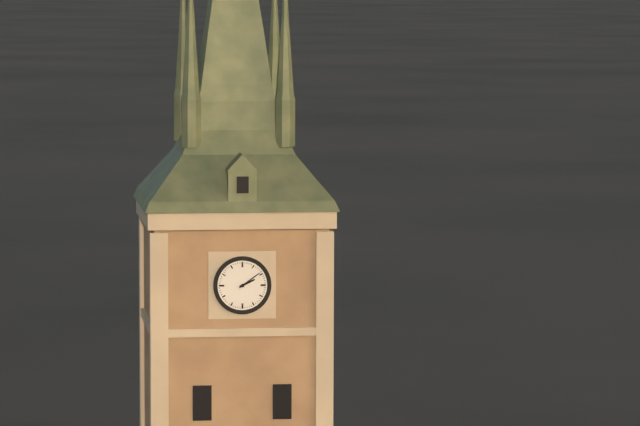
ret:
{"hour": 2, "minute": 9}
